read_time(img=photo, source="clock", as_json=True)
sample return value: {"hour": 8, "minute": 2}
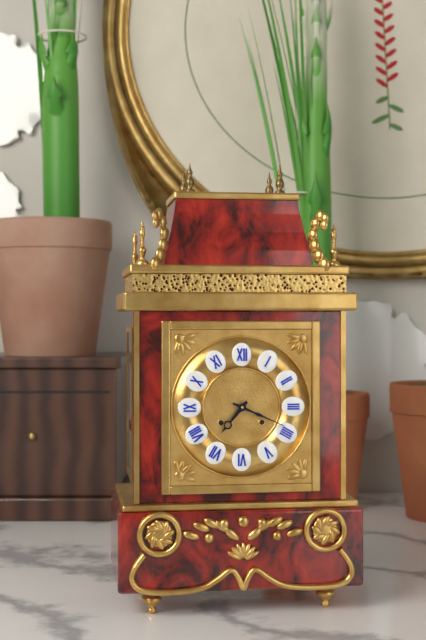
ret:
{"hour": 7, "minute": 19}
